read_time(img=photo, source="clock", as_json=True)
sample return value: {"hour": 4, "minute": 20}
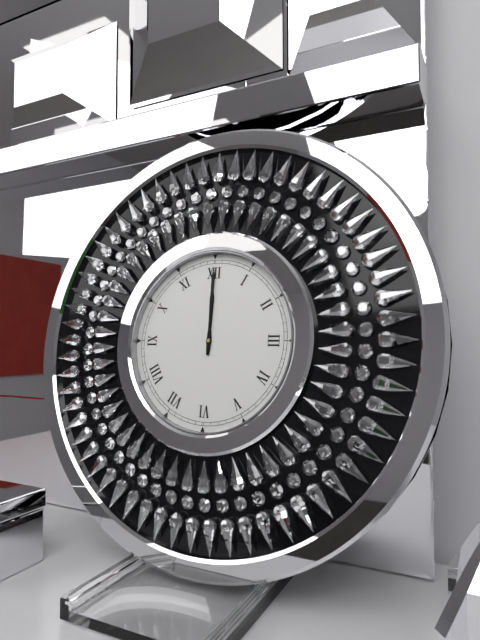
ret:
{"hour": 12, "minute": 0}
